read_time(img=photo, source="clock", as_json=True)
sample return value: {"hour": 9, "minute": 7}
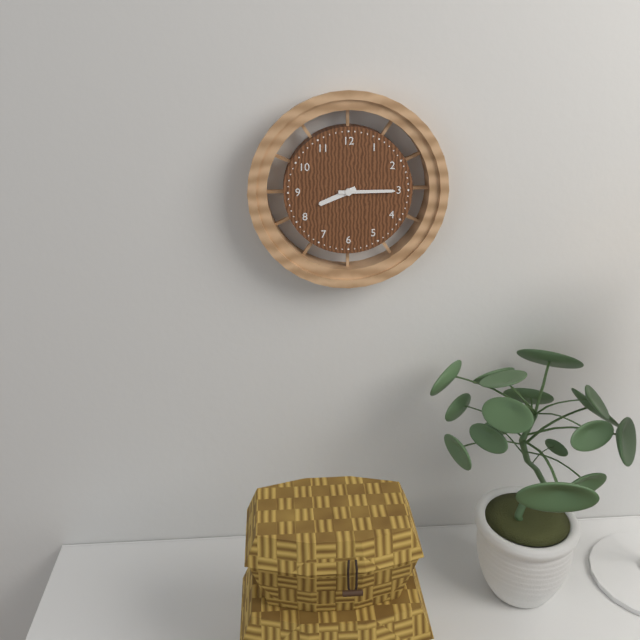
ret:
{"hour": 8, "minute": 15}
